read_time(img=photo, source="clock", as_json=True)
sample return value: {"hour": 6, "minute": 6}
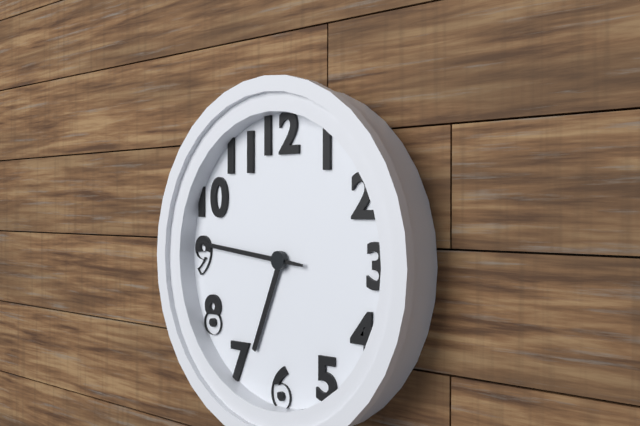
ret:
{"hour": 6, "minute": 46}
